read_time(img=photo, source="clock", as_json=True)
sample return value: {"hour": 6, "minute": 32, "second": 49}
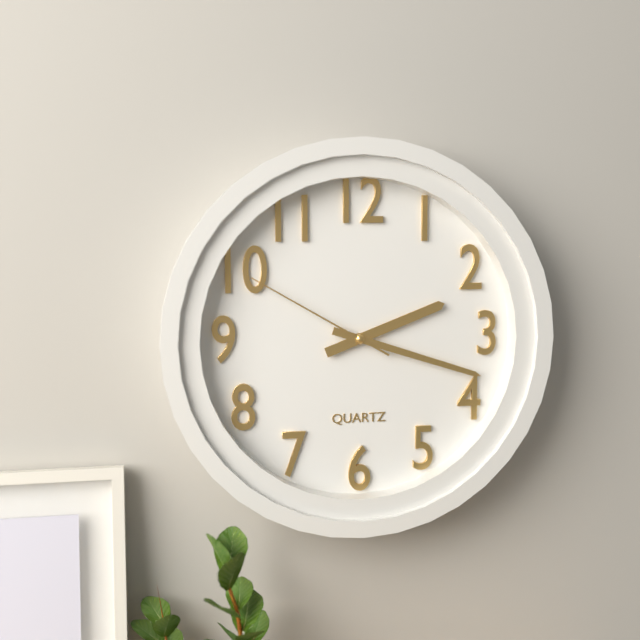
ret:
{"hour": 2, "minute": 18, "second": 50}
